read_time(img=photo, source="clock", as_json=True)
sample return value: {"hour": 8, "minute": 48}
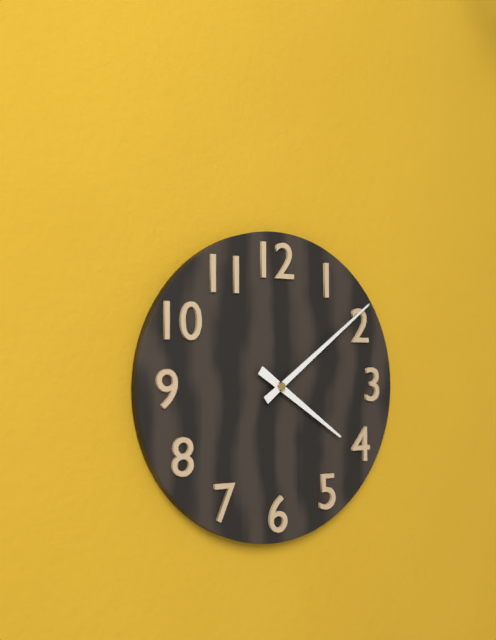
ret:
{"hour": 4, "minute": 9}
